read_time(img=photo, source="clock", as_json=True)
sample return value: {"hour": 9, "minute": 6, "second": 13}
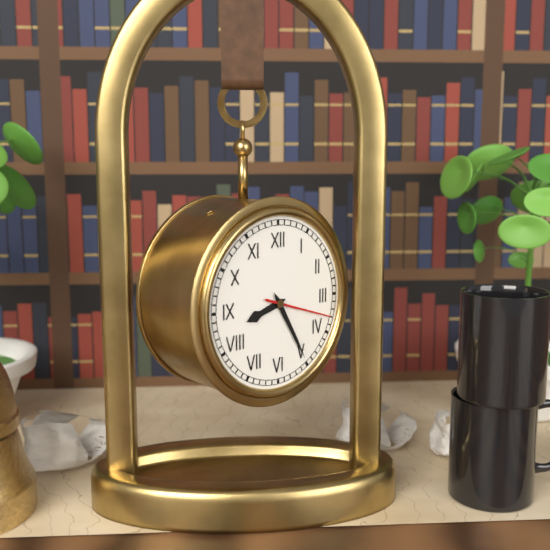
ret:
{"hour": 8, "minute": 25, "second": 18}
